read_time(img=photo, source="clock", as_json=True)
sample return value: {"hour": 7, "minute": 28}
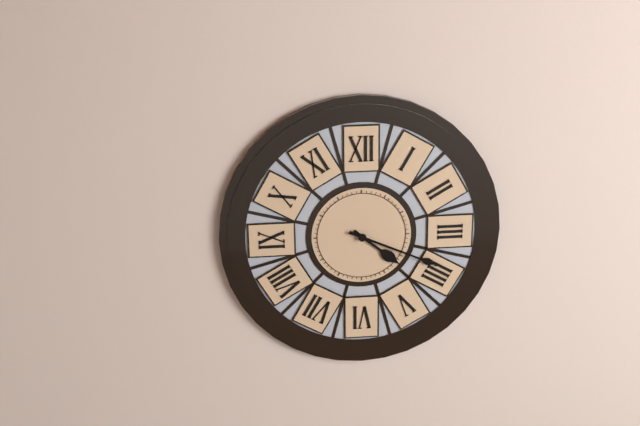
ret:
{"hour": 4, "minute": 19}
